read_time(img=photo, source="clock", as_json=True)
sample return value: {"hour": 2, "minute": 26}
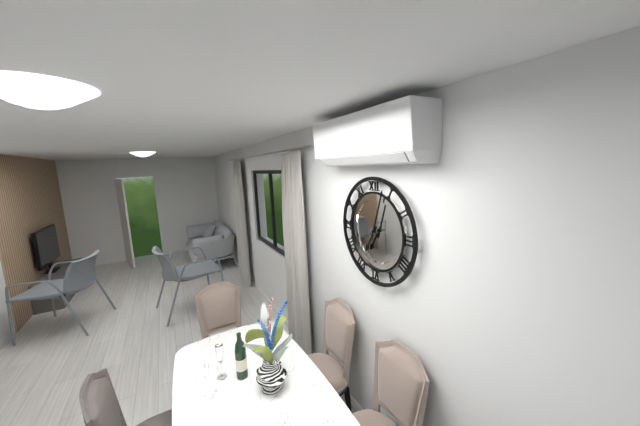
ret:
{"hour": 7, "minute": 3}
